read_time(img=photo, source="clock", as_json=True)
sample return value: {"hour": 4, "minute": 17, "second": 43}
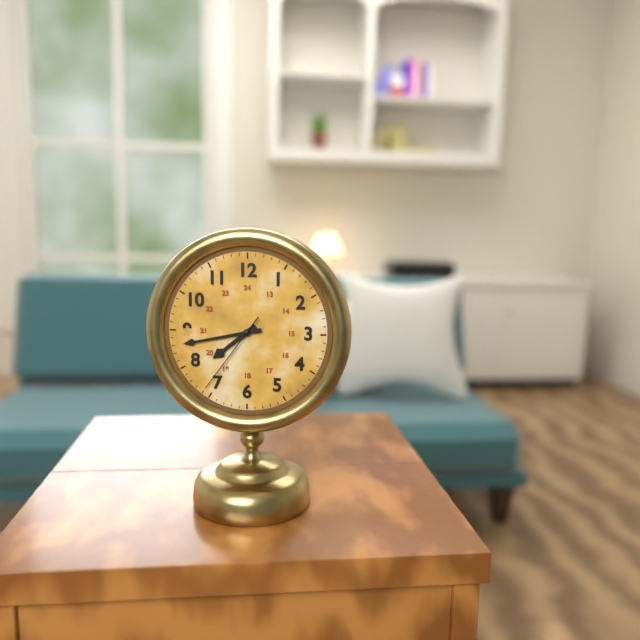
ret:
{"hour": 7, "minute": 43, "second": 36}
